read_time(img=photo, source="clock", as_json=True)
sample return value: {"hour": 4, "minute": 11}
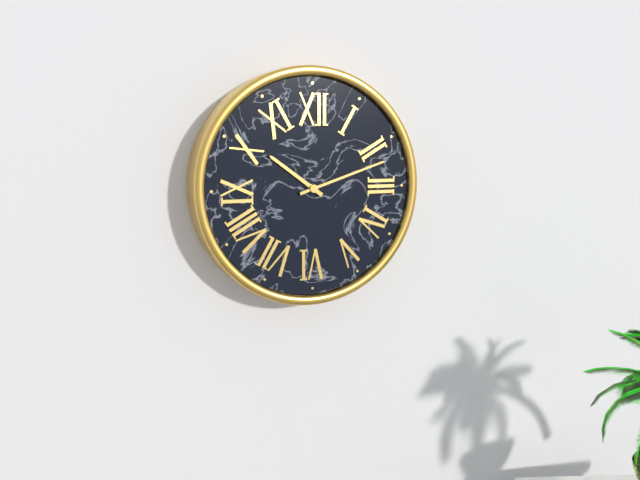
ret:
{"hour": 10, "minute": 12}
